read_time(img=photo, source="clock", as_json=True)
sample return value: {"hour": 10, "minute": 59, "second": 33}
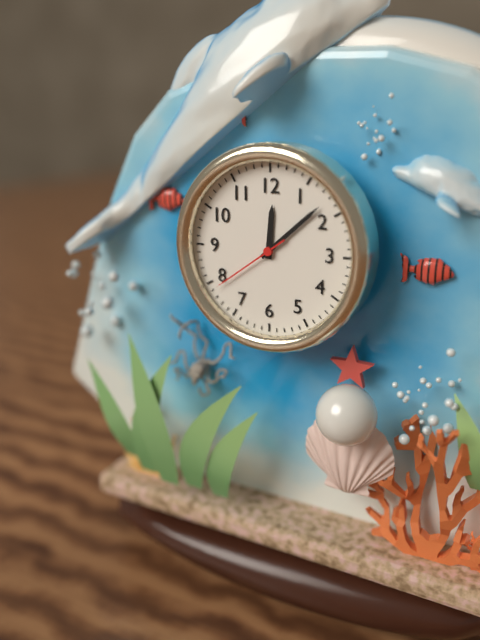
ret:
{"hour": 12, "minute": 8, "second": 39}
